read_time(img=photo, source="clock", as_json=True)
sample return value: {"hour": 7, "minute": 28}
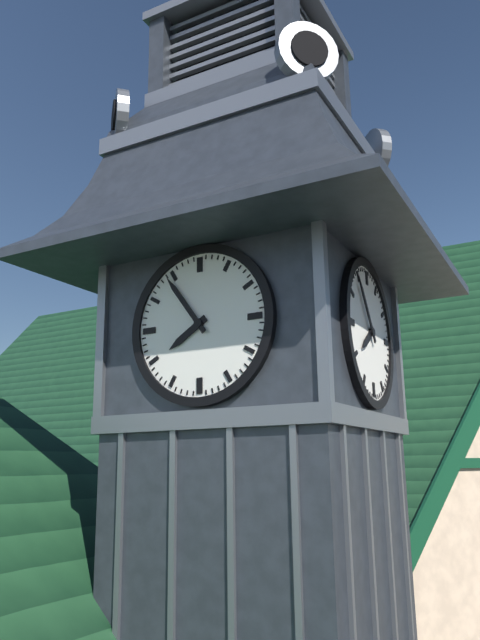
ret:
{"hour": 7, "minute": 54}
